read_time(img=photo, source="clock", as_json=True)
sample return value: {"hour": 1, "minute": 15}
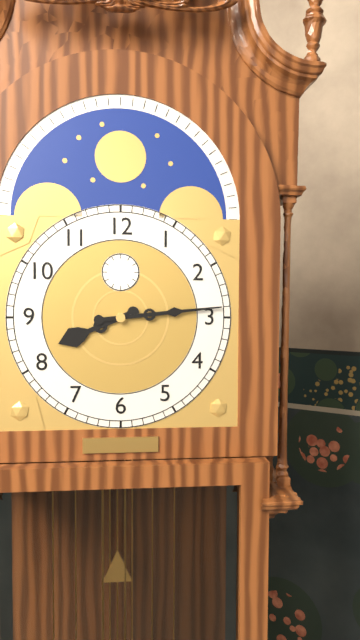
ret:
{"hour": 8, "minute": 14}
